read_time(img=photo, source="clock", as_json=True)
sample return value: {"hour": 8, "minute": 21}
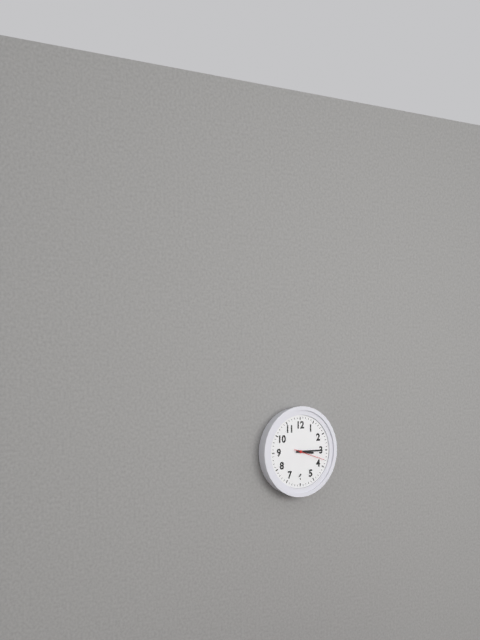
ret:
{"hour": 3, "minute": 15}
